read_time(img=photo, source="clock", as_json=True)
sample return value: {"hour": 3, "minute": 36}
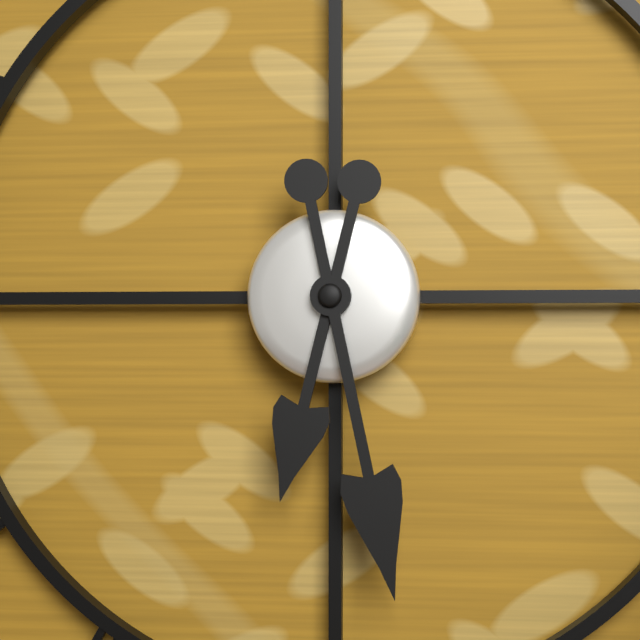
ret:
{"hour": 6, "minute": 28}
